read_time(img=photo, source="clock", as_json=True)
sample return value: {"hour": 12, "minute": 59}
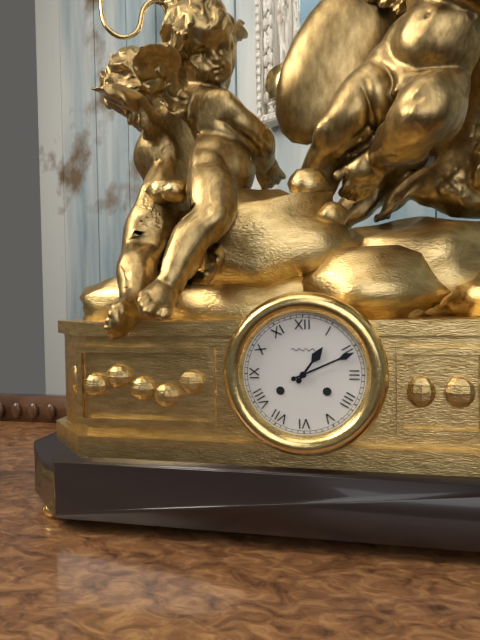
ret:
{"hour": 1, "minute": 11}
